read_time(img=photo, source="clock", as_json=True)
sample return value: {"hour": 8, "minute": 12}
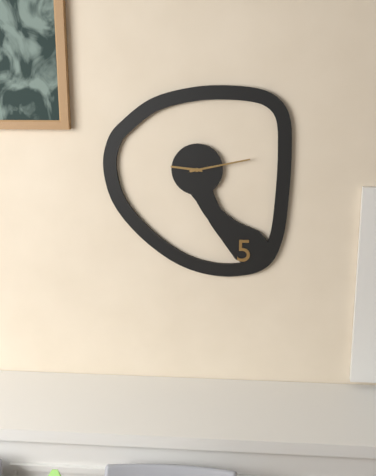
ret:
{"hour": 9, "minute": 13}
